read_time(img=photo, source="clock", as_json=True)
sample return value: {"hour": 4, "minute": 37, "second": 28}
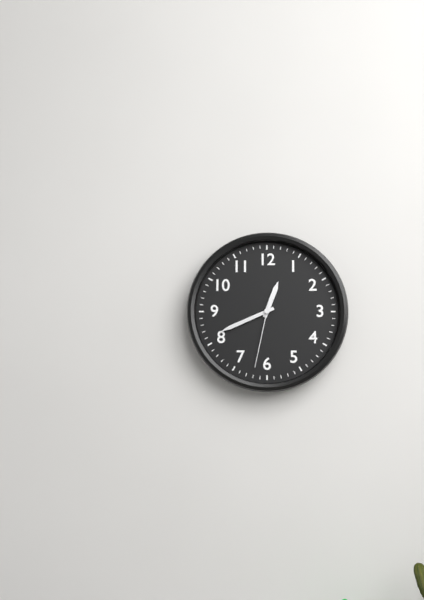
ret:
{"hour": 12, "minute": 41, "second": 32}
